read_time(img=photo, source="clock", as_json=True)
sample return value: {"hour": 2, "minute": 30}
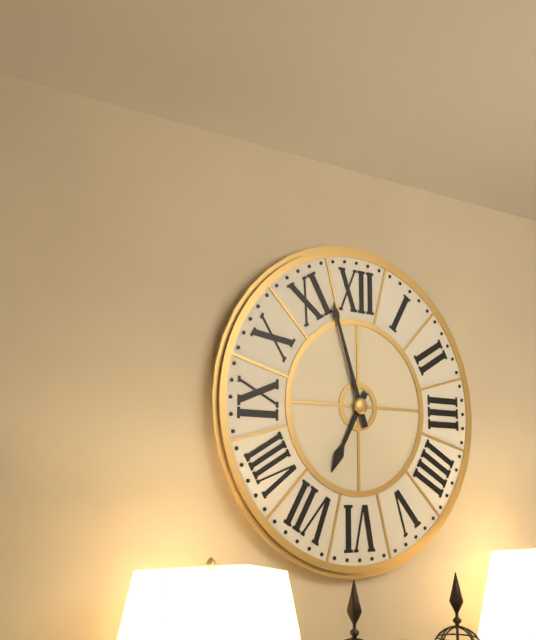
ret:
{"hour": 6, "minute": 57}
